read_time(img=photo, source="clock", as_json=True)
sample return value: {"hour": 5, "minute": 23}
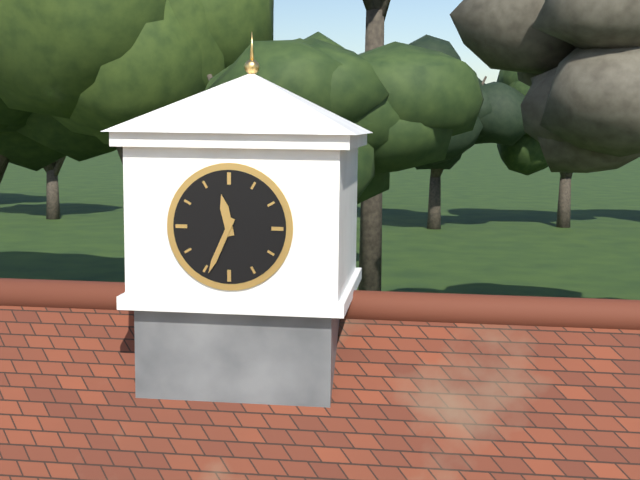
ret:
{"hour": 11, "minute": 34}
